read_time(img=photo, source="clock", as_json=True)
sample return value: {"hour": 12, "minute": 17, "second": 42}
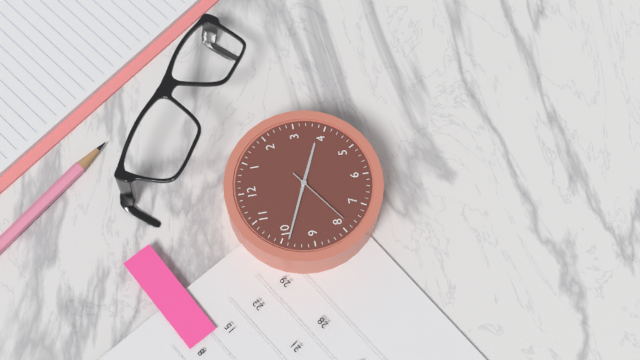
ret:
{"hour": 3, "minute": 49, "second": 39}
